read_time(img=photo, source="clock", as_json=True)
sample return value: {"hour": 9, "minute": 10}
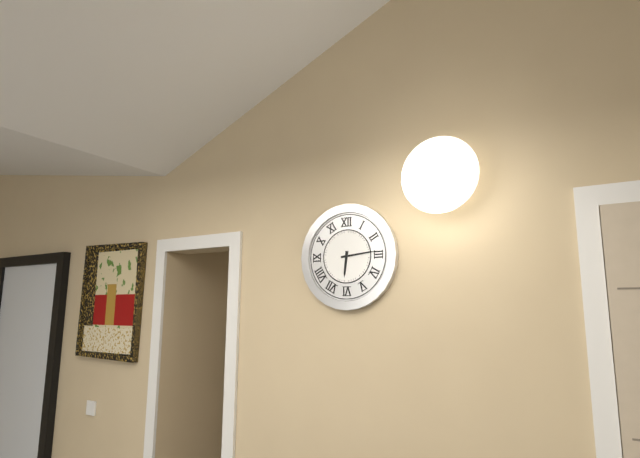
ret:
{"hour": 6, "minute": 14}
